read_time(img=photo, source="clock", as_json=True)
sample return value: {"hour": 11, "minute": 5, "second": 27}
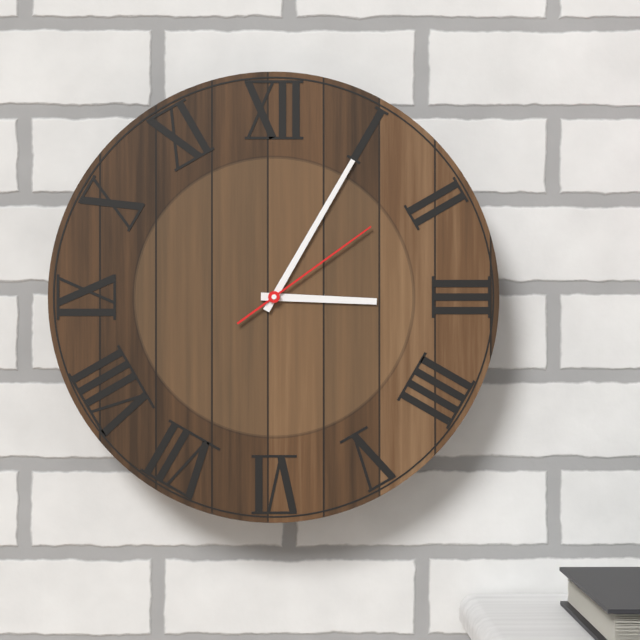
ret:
{"hour": 3, "minute": 5, "second": 9}
